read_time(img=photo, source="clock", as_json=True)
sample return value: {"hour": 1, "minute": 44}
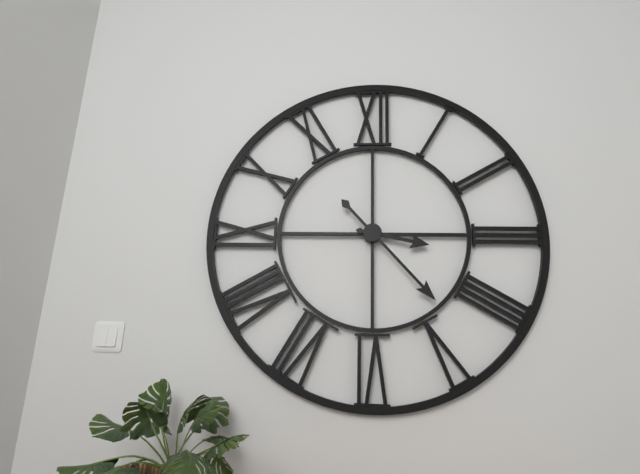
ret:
{"hour": 3, "minute": 23}
